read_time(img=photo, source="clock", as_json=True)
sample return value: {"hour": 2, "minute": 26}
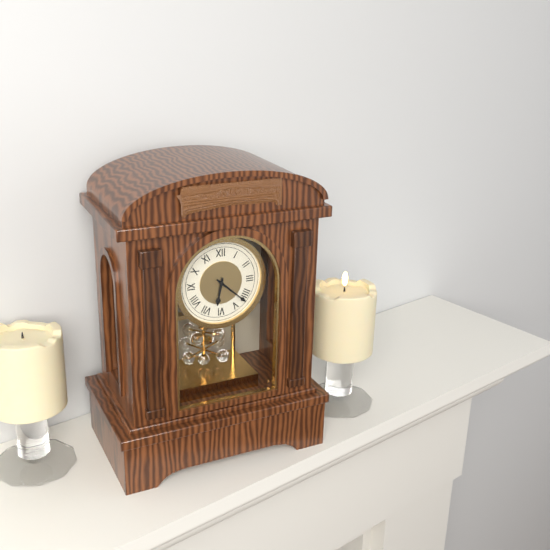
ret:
{"hour": 6, "minute": 22}
